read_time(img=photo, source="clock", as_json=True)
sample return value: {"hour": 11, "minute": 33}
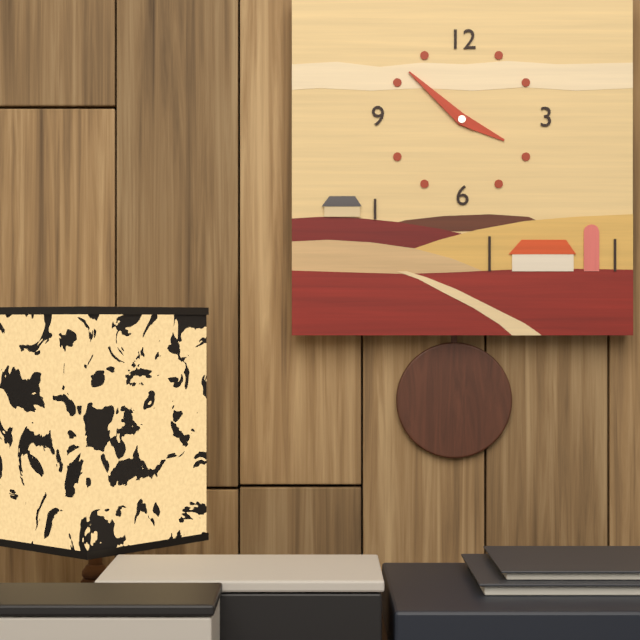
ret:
{"hour": 3, "minute": 52}
